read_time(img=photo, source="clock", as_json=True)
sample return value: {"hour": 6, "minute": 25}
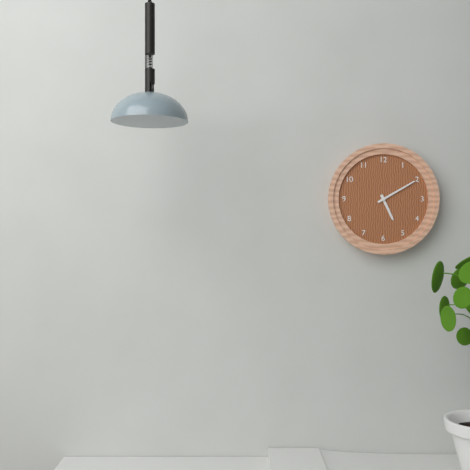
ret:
{"hour": 5, "minute": 10}
